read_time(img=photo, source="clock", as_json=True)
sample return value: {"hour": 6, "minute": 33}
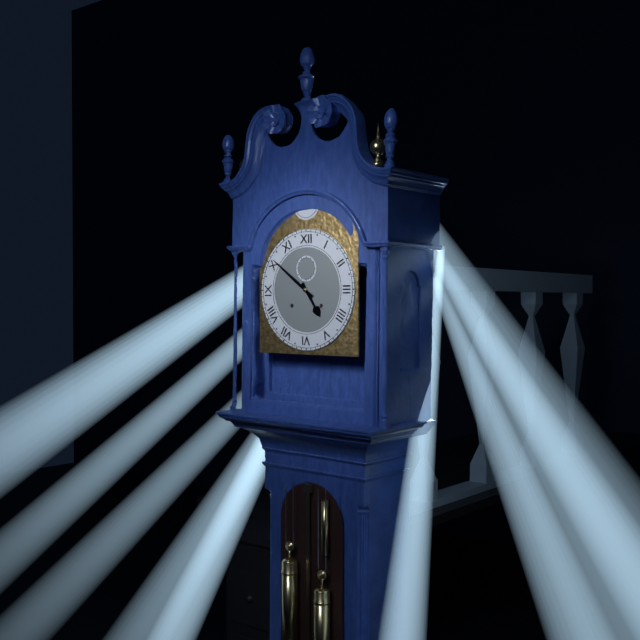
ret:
{"hour": 4, "minute": 51}
